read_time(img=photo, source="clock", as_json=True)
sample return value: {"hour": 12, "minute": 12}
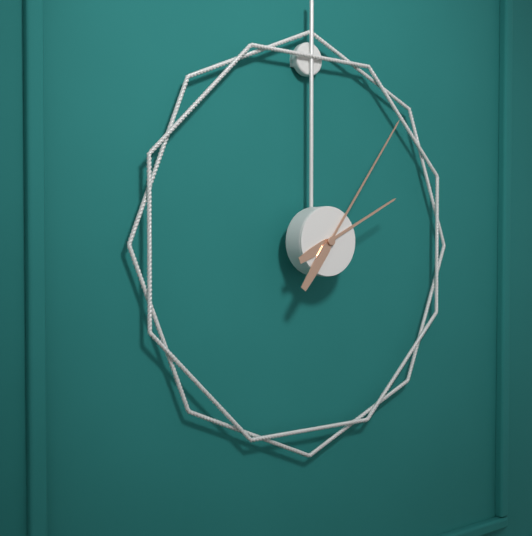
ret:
{"hour": 2, "minute": 6}
